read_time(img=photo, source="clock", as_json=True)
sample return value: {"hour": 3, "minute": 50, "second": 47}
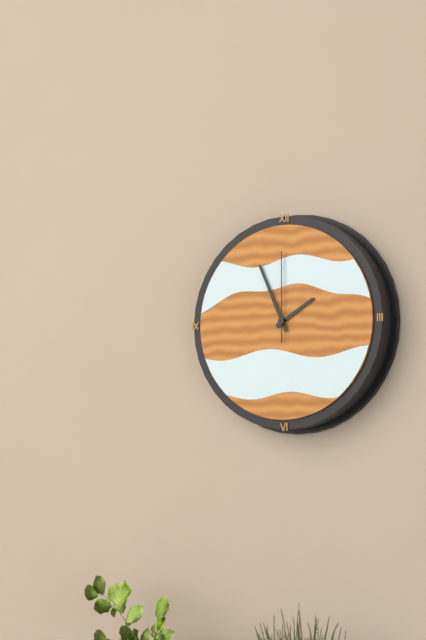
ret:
{"hour": 1, "minute": 56, "second": 0}
